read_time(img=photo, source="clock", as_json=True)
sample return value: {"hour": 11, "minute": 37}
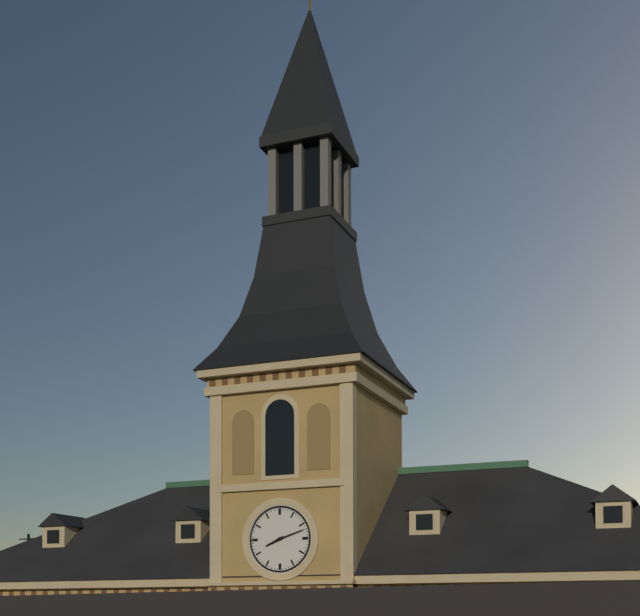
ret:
{"hour": 8, "minute": 12}
